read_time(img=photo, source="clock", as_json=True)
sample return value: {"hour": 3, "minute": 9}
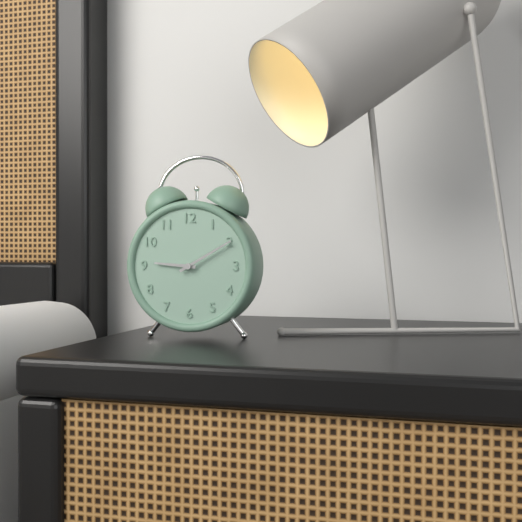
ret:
{"hour": 9, "minute": 10}
